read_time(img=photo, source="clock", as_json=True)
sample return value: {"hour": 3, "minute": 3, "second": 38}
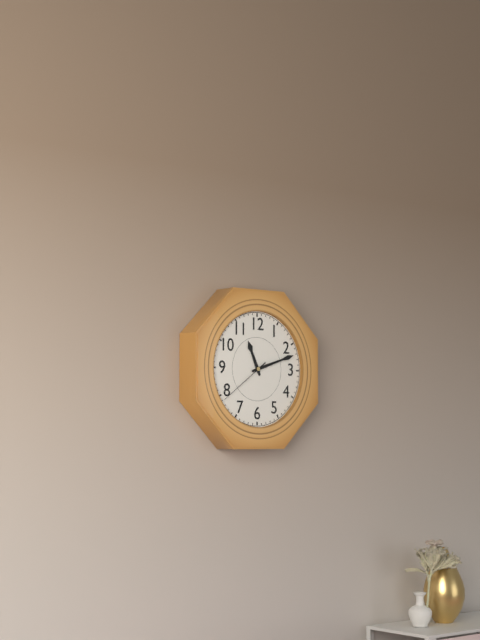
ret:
{"hour": 11, "minute": 12, "second": 39}
